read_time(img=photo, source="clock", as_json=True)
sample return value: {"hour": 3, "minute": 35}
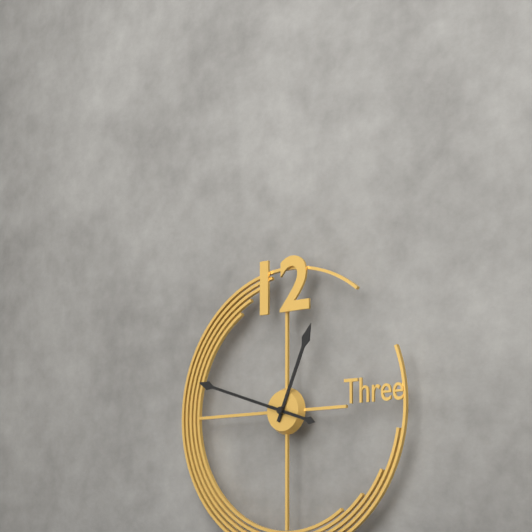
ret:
{"hour": 12, "minute": 48}
